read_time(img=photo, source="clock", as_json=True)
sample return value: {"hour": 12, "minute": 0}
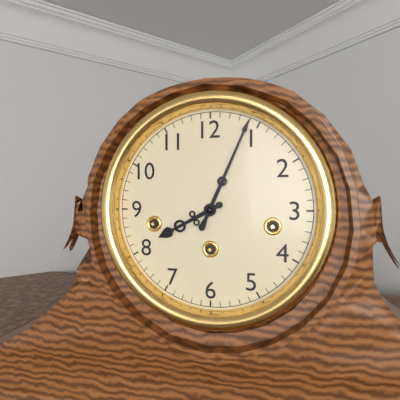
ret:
{"hour": 8, "minute": 4}
